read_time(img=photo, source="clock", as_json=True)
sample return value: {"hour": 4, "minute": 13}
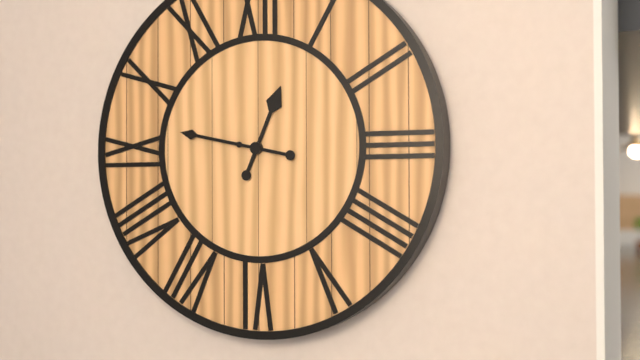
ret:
{"hour": 12, "minute": 47}
